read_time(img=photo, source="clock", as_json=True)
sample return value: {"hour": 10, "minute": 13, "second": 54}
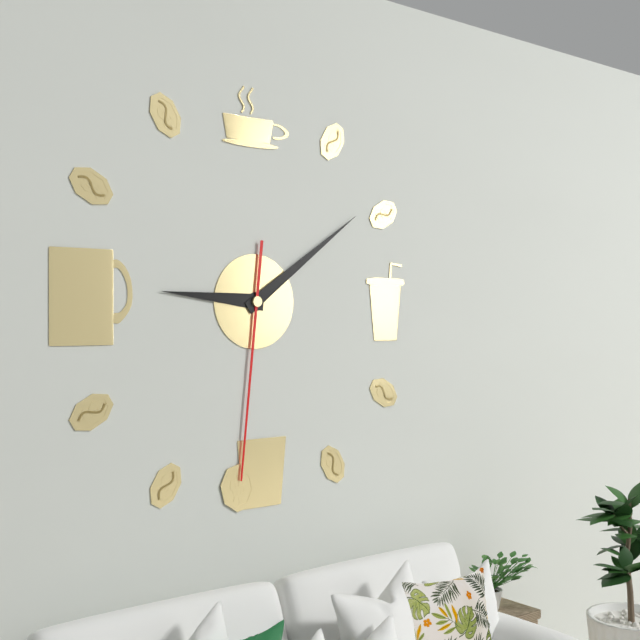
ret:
{"hour": 9, "minute": 9, "second": 31}
